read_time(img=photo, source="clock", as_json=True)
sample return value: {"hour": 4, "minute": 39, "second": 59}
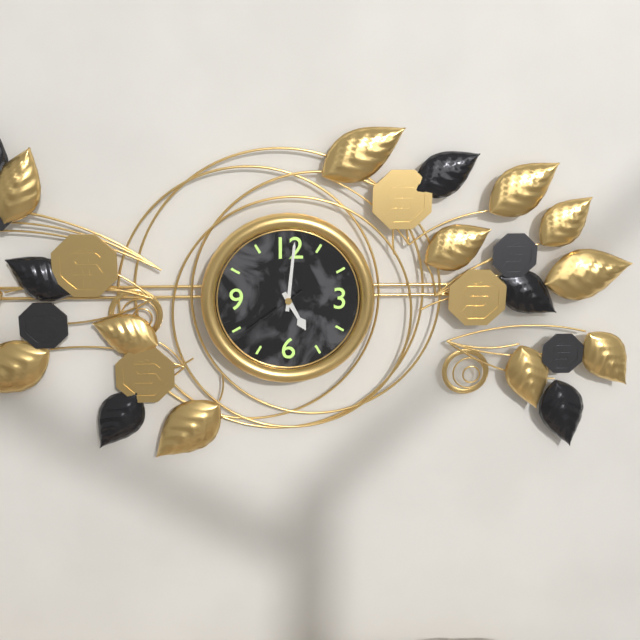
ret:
{"hour": 5, "minute": 1, "second": 39}
